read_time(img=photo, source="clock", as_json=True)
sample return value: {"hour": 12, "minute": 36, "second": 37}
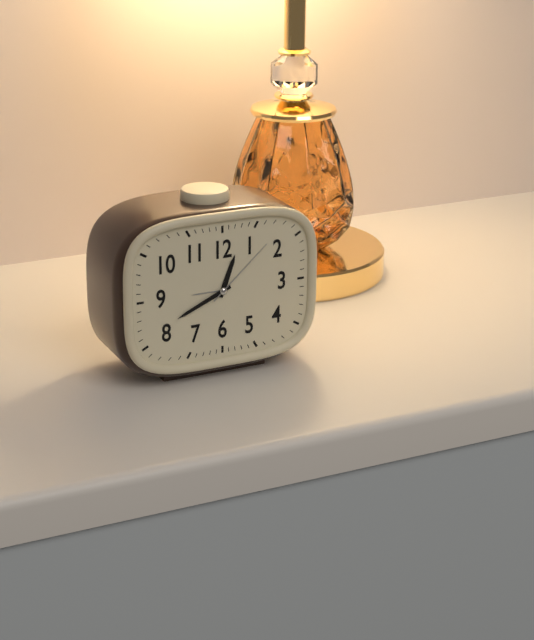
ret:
{"hour": 12, "minute": 41, "second": 8}
